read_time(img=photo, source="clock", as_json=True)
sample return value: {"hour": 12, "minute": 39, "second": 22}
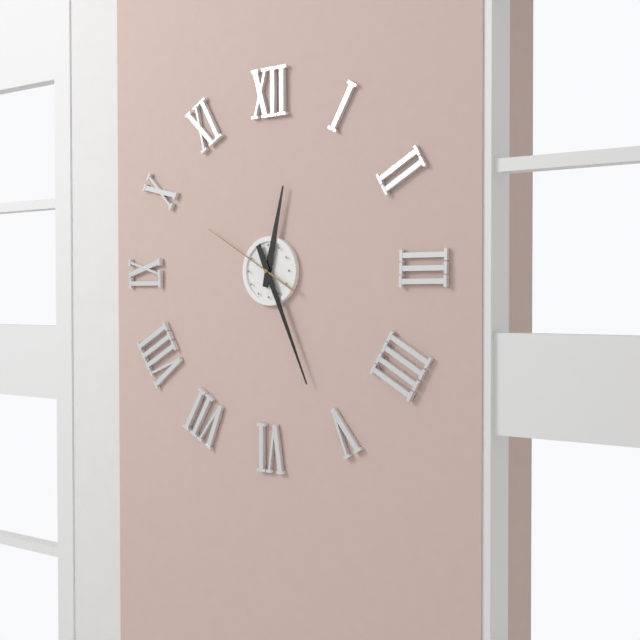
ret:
{"hour": 12, "minute": 26, "second": 50}
